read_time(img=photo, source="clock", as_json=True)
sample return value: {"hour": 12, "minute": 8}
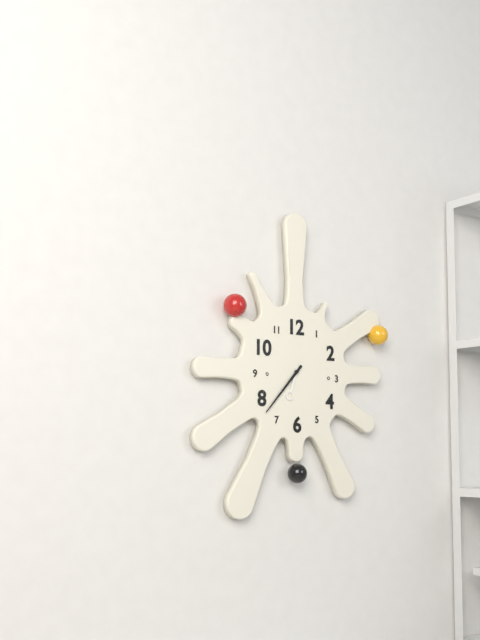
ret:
{"hour": 6, "minute": 37}
